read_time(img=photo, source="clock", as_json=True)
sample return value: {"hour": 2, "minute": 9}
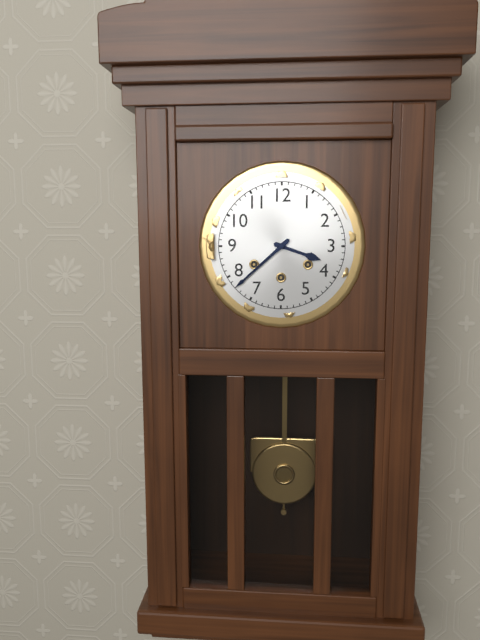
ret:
{"hour": 3, "minute": 38}
